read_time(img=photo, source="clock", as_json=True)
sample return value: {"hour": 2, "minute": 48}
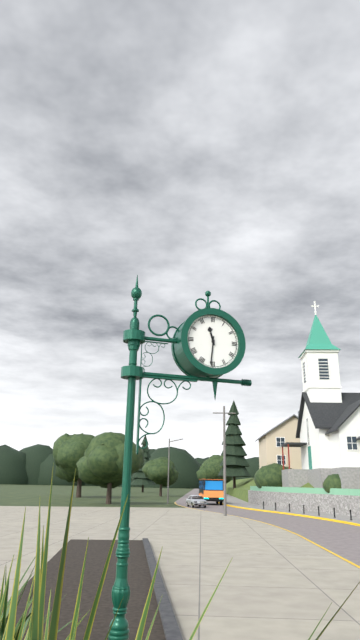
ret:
{"hour": 11, "minute": 31}
